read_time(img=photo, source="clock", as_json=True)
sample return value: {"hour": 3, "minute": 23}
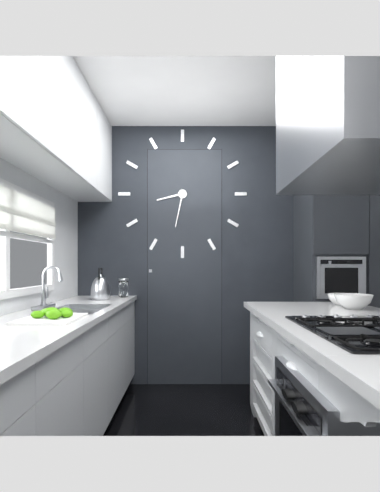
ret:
{"hour": 8, "minute": 32}
